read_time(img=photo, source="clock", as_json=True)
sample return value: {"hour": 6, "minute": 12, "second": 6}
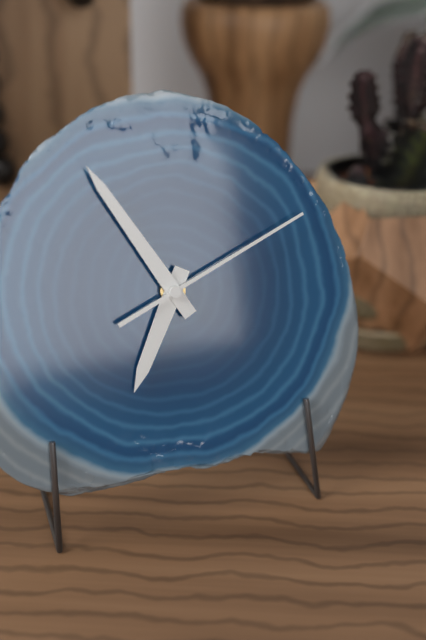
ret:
{"hour": 6, "minute": 55, "second": 11}
